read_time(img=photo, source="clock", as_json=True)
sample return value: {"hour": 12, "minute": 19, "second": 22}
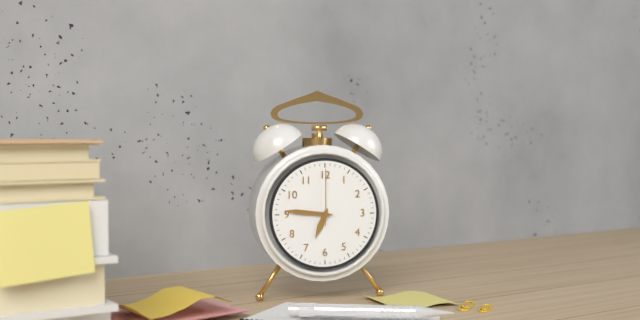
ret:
{"hour": 6, "minute": 46, "second": 0}
